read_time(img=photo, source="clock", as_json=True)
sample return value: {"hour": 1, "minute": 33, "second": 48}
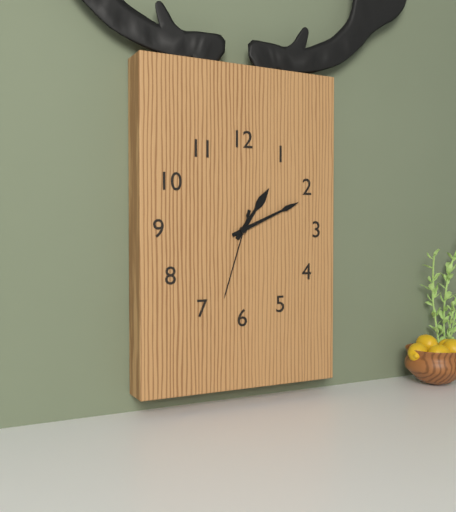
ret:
{"hour": 1, "minute": 11, "second": 33}
